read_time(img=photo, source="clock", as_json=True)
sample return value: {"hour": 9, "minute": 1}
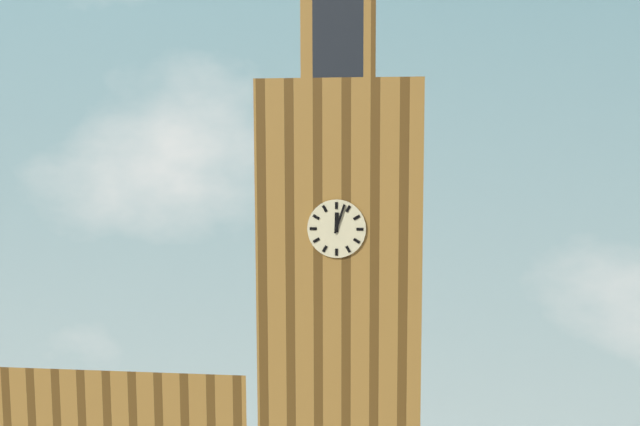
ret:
{"hour": 12, "minute": 3}
